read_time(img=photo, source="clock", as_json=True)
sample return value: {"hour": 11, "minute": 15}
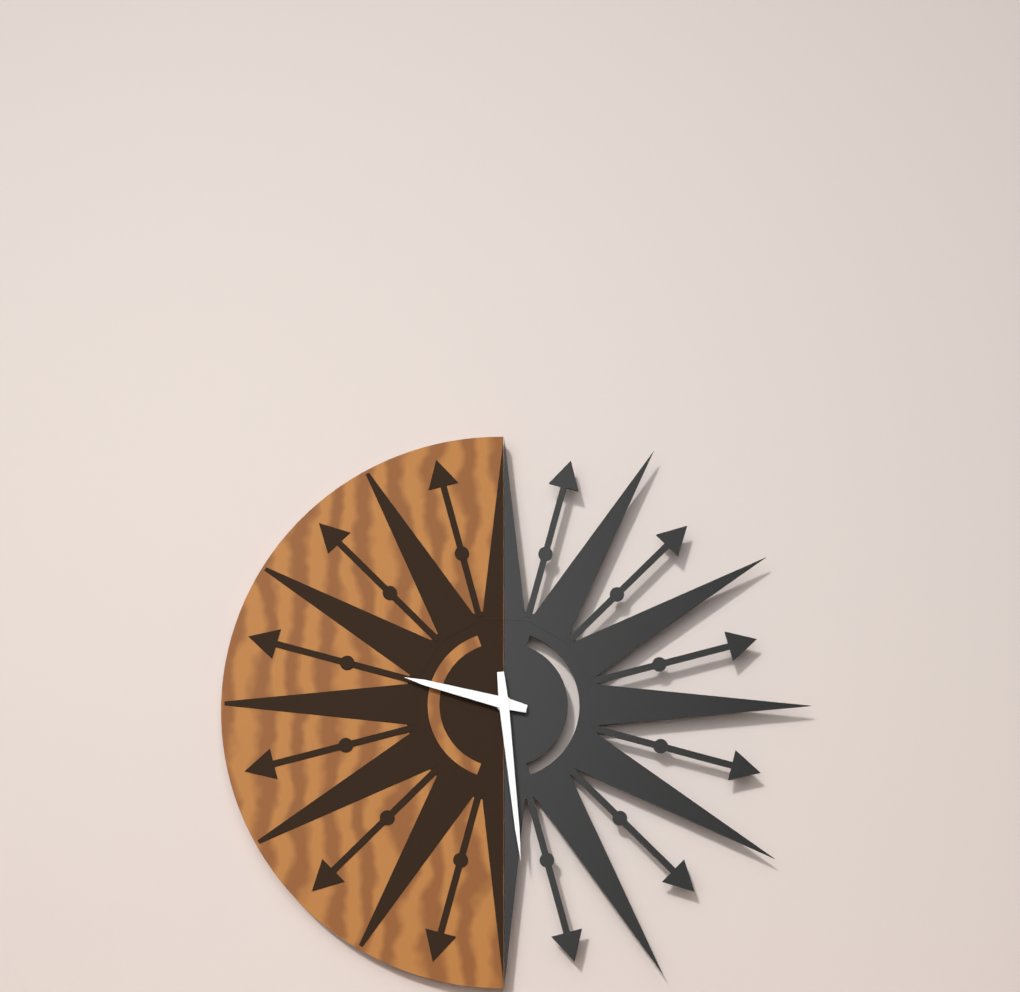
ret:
{"hour": 9, "minute": 29}
